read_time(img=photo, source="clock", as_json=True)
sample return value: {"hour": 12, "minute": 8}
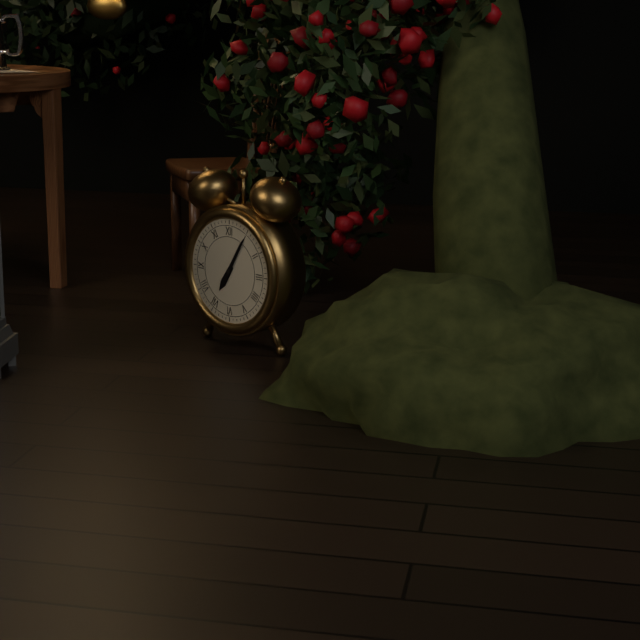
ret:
{"hour": 7, "minute": 5}
